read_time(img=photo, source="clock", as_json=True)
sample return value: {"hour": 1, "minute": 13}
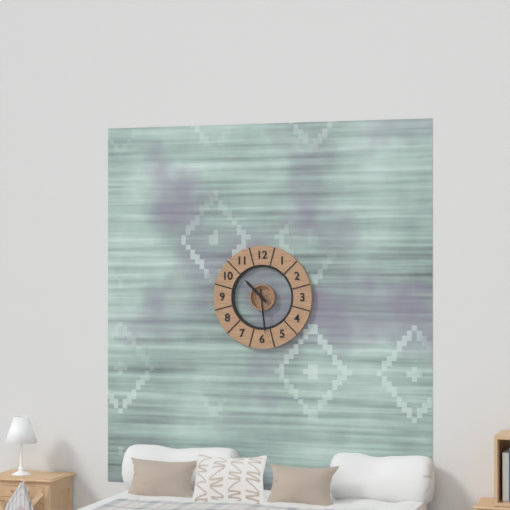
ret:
{"hour": 10, "minute": 29}
